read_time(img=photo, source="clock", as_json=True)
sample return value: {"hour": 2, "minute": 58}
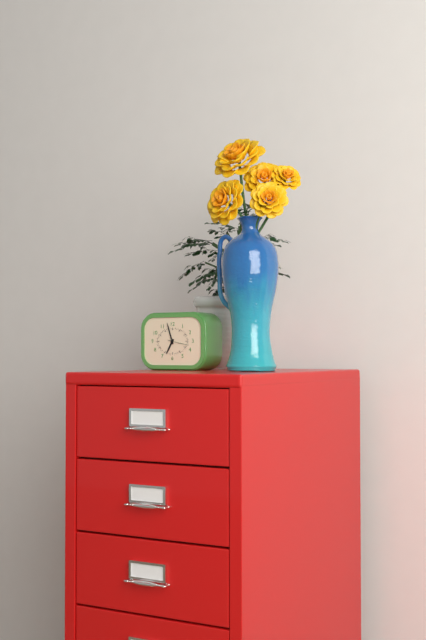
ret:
{"hour": 6, "minute": 57}
